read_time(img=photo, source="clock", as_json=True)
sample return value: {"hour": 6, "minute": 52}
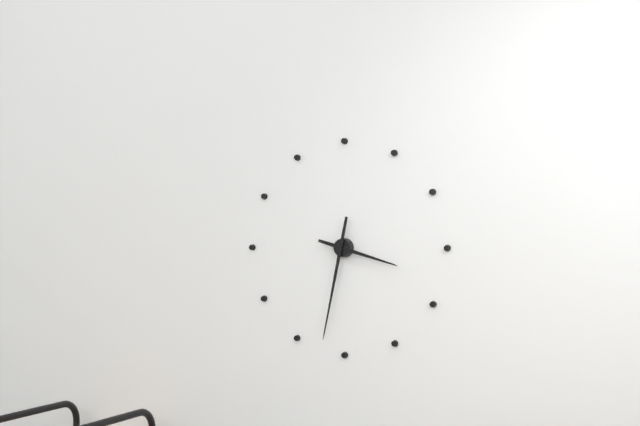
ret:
{"hour": 3, "minute": 32}
